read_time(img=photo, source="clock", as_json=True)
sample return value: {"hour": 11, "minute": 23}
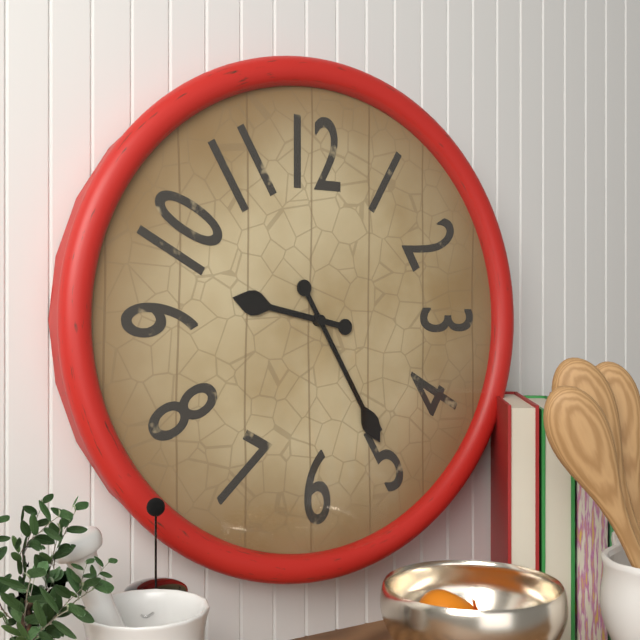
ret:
{"hour": 9, "minute": 25}
